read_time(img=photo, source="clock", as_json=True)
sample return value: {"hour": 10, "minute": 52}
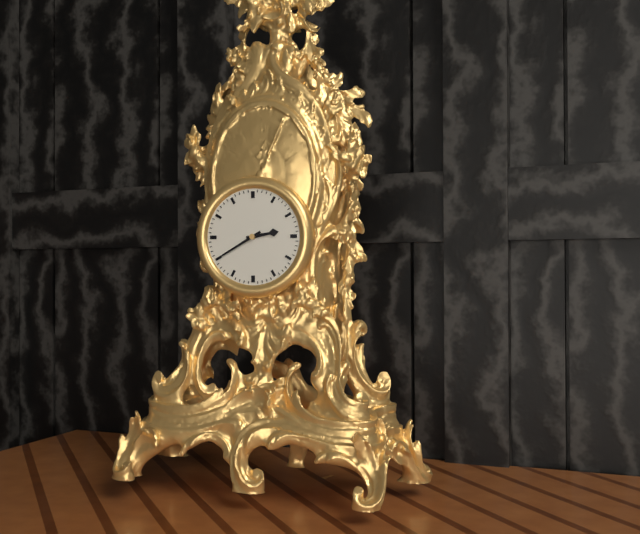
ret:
{"hour": 2, "minute": 40}
